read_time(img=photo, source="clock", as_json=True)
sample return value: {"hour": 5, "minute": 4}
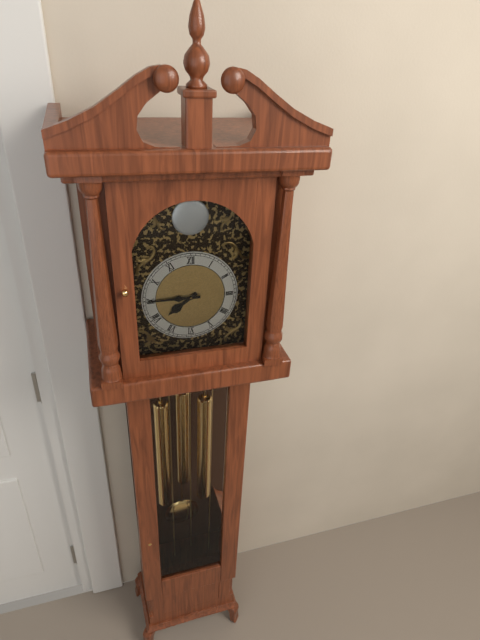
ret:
{"hour": 7, "minute": 45}
